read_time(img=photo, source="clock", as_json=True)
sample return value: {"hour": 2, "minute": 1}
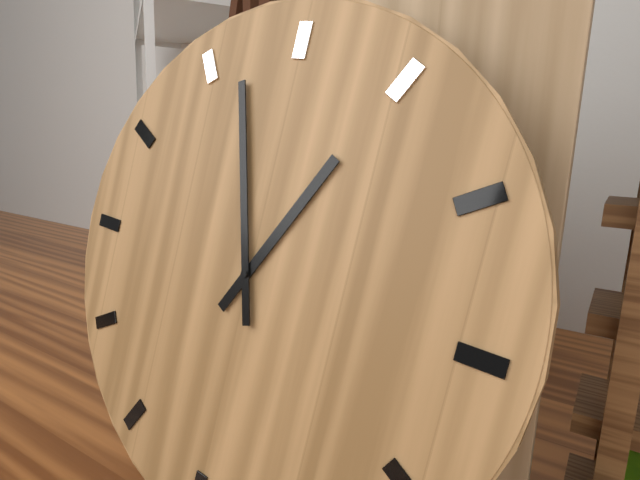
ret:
{"hour": 12, "minute": 57}
